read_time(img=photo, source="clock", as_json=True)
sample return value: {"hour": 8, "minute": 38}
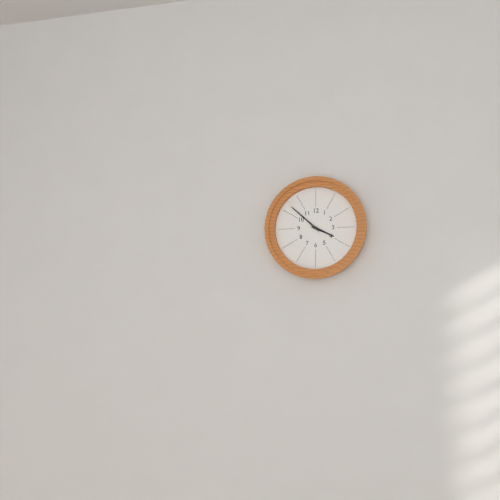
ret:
{"hour": 3, "minute": 52}
